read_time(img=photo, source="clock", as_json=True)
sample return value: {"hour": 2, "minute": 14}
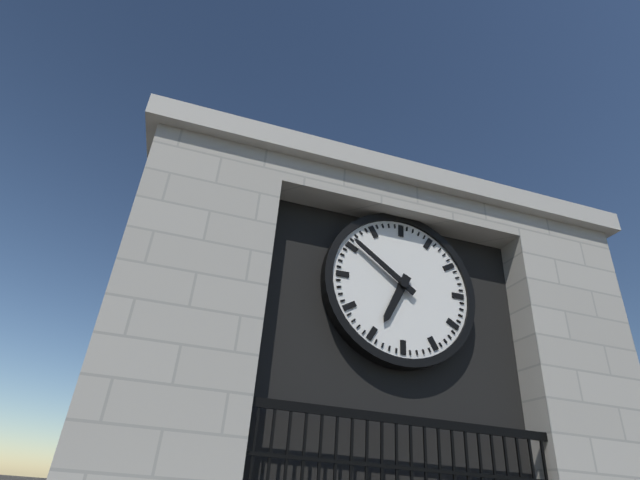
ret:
{"hour": 6, "minute": 51}
